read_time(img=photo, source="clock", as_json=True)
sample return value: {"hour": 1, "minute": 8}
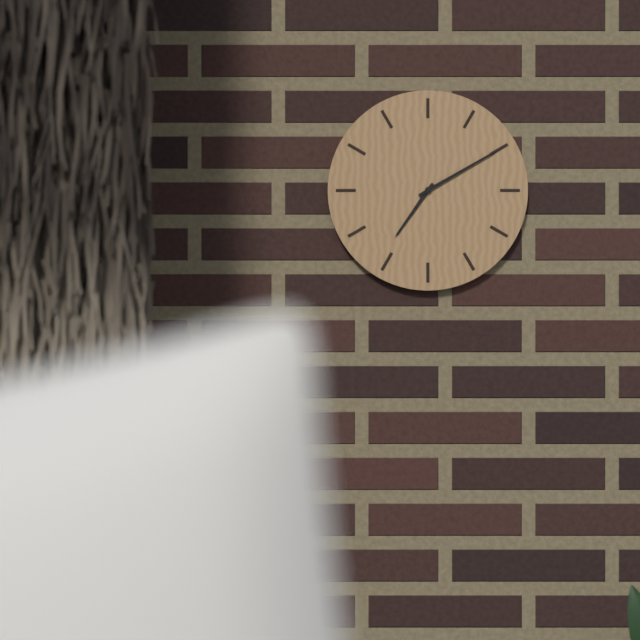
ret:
{"hour": 7, "minute": 10}
